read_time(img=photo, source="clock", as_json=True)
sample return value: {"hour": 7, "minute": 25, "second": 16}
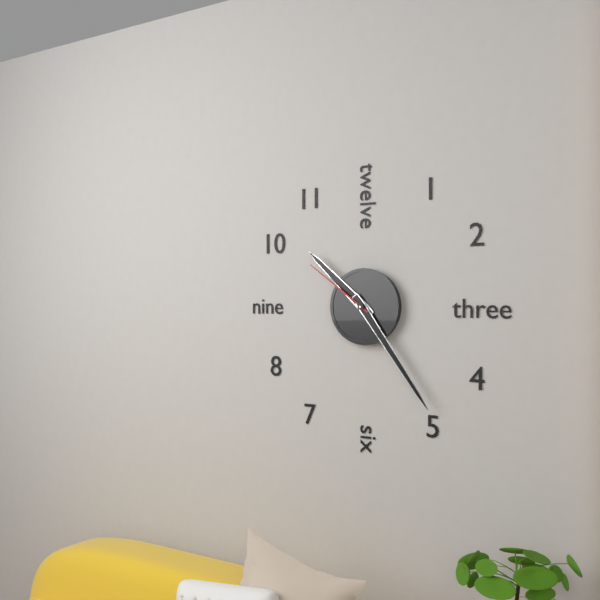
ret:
{"hour": 10, "minute": 24, "second": 51}
